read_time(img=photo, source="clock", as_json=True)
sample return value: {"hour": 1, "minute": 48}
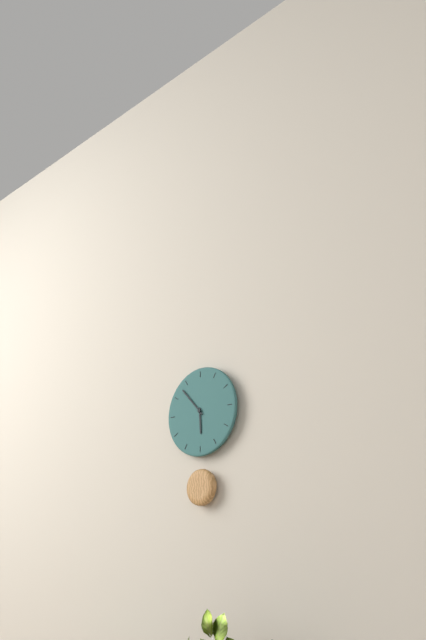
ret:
{"hour": 5, "minute": 53}
